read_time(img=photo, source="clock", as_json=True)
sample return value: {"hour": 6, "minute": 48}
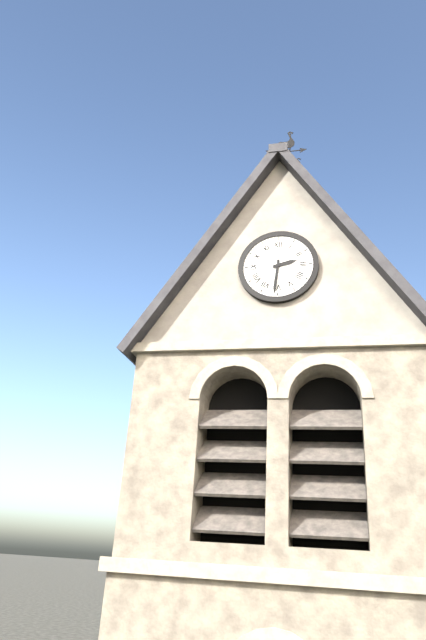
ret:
{"hour": 2, "minute": 31}
